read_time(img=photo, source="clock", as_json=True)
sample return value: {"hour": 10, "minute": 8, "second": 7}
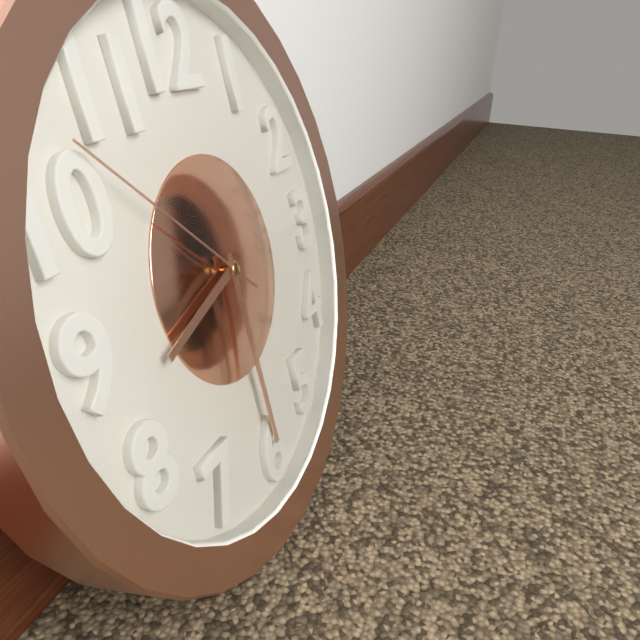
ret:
{"hour": 8, "minute": 30, "second": 52}
